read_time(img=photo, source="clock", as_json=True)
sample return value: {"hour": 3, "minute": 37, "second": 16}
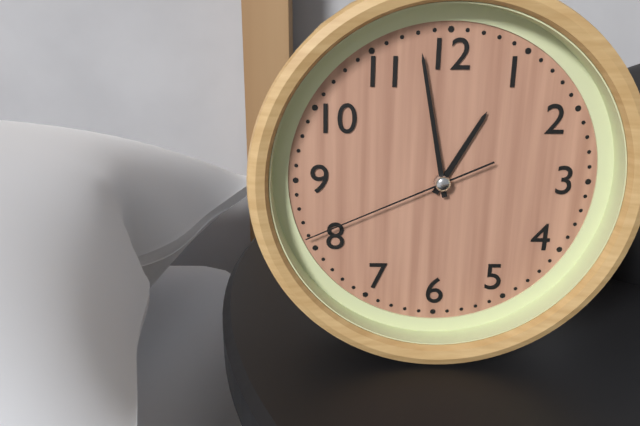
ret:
{"hour": 12, "minute": 58, "second": 41}
